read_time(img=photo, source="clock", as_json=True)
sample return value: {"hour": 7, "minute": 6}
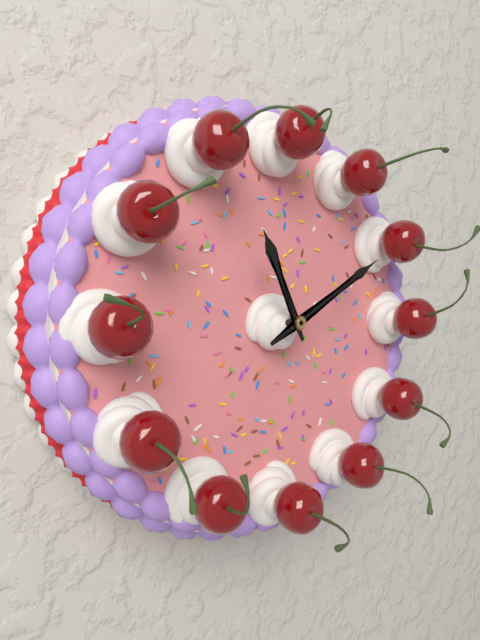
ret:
{"hour": 11, "minute": 10}
